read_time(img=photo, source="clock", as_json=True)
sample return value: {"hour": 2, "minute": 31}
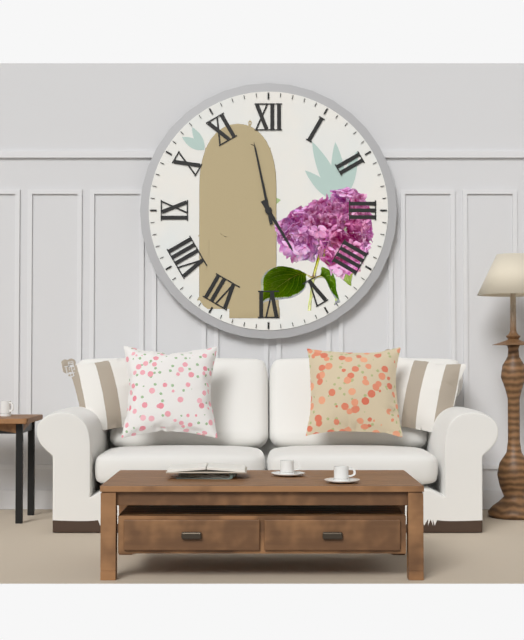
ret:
{"hour": 4, "minute": 58}
